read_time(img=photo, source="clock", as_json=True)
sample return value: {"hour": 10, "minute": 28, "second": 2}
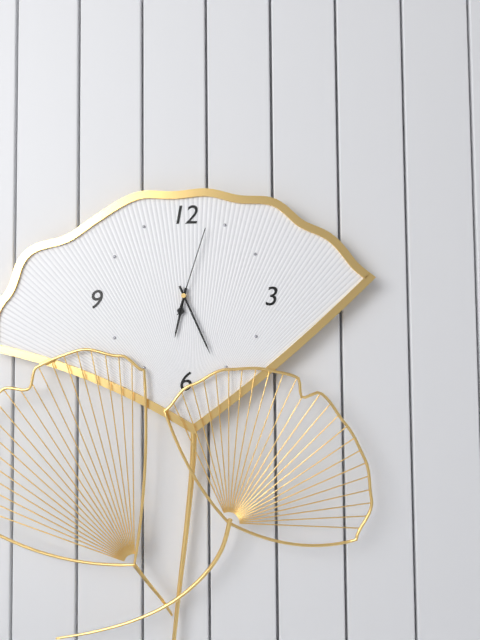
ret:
{"hour": 6, "minute": 26, "second": 3}
